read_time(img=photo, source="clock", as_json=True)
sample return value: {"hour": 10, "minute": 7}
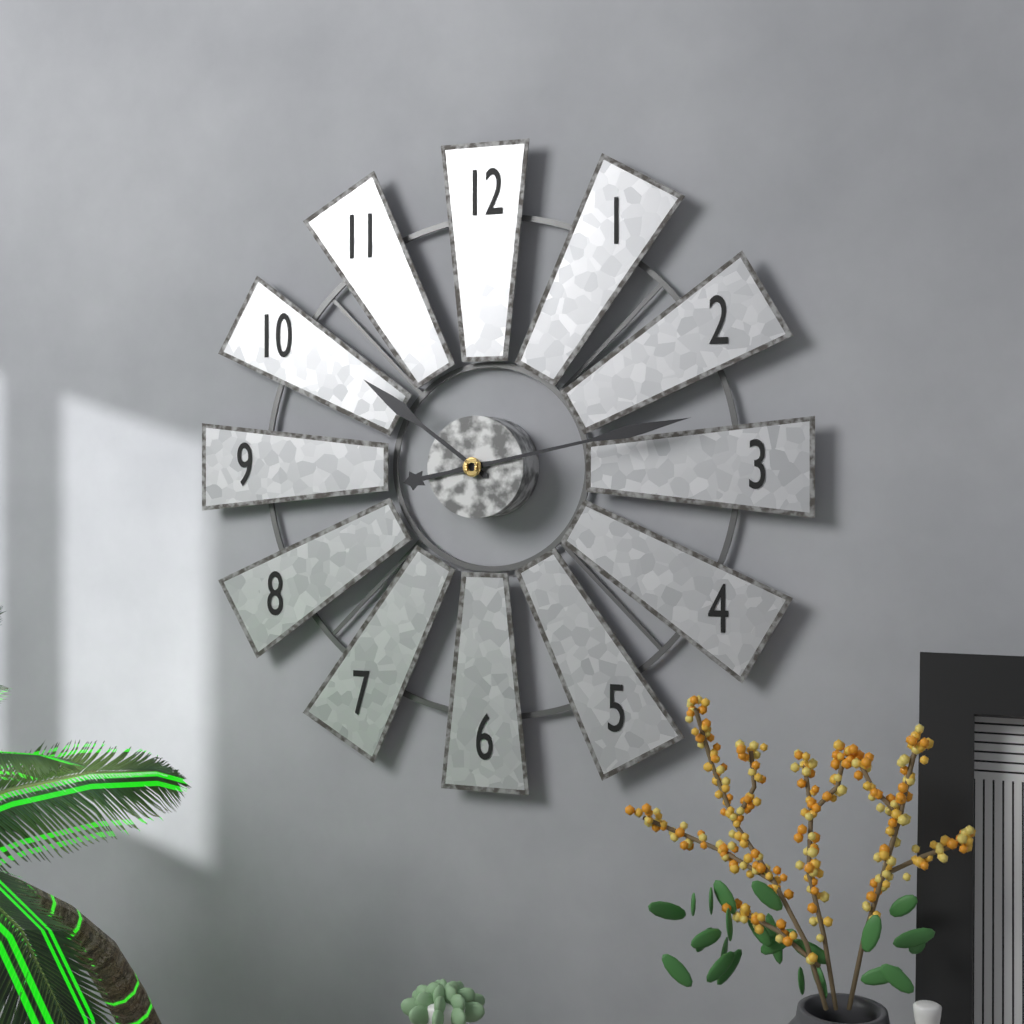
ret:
{"hour": 10, "minute": 13}
